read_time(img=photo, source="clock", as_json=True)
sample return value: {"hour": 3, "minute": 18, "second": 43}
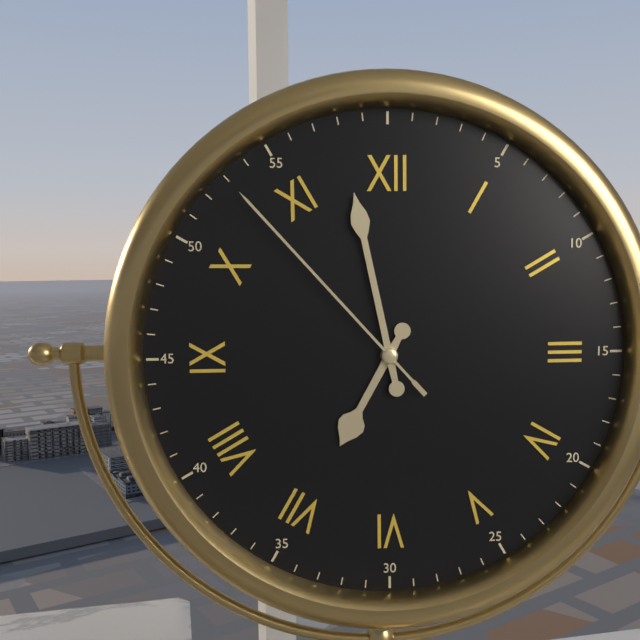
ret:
{"hour": 6, "minute": 58, "second": 53}
